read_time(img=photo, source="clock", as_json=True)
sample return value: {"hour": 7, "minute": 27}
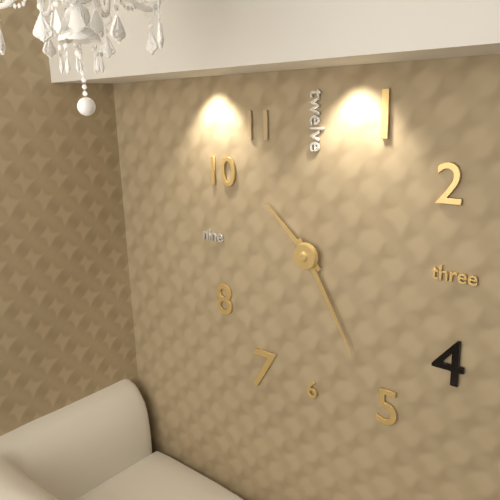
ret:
{"hour": 10, "minute": 25}
